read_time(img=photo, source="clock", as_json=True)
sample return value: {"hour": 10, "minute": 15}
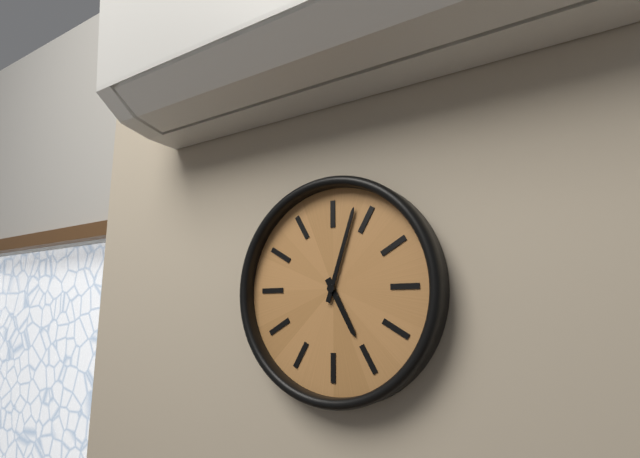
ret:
{"hour": 5, "minute": 3}
